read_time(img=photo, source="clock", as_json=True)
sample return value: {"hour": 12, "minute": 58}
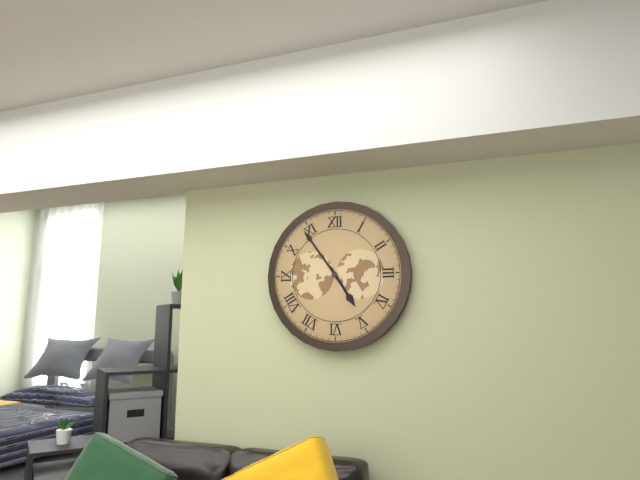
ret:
{"hour": 4, "minute": 54}
